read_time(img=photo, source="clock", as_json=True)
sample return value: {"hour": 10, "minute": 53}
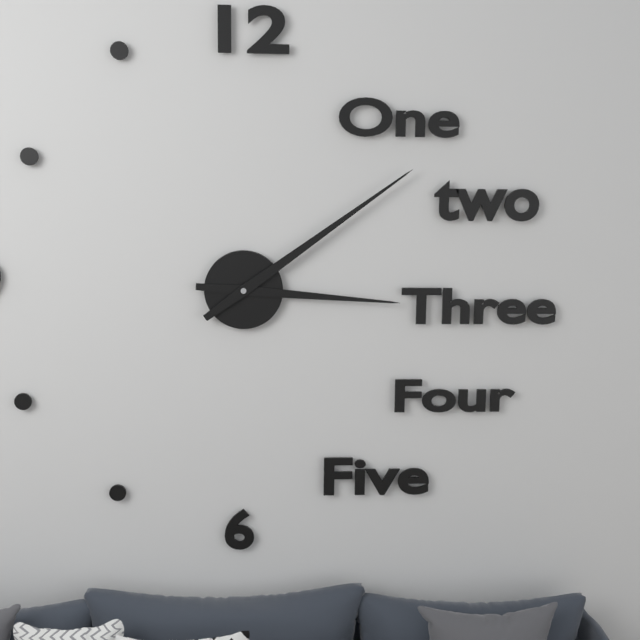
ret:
{"hour": 3, "minute": 9}
